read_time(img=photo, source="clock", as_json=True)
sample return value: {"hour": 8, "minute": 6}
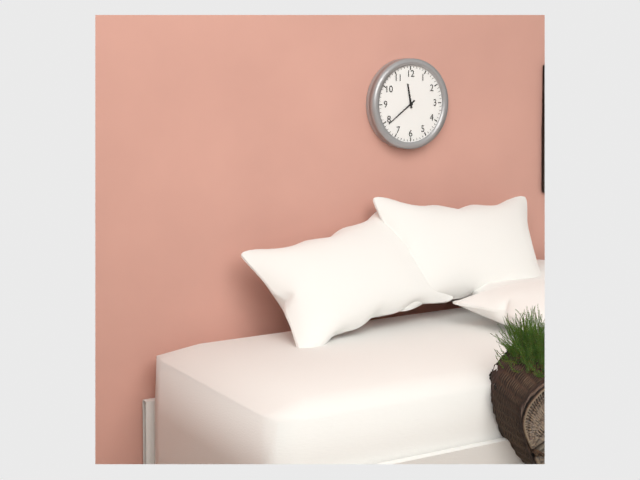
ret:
{"hour": 11, "minute": 39}
